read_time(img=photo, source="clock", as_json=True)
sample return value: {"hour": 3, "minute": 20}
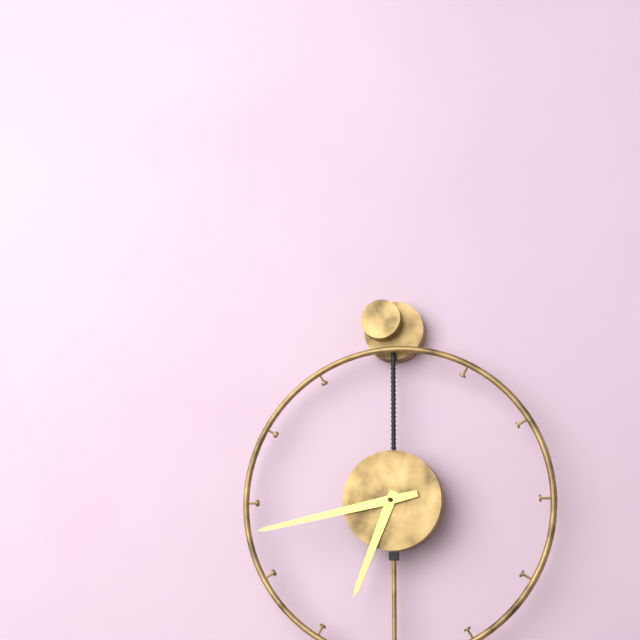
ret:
{"hour": 6, "minute": 43}
